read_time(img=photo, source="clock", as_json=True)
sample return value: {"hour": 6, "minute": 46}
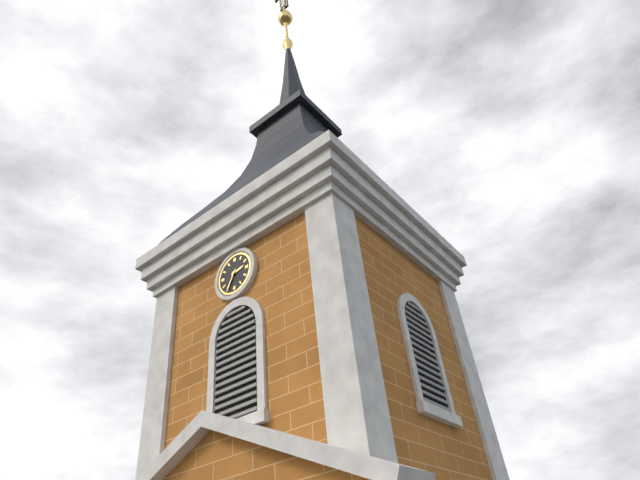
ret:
{"hour": 2, "minute": 35}
